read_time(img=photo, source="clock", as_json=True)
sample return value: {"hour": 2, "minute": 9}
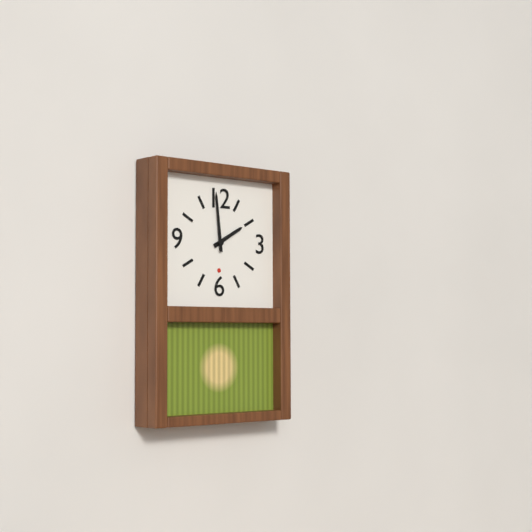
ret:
{"hour": 1, "minute": 59}
